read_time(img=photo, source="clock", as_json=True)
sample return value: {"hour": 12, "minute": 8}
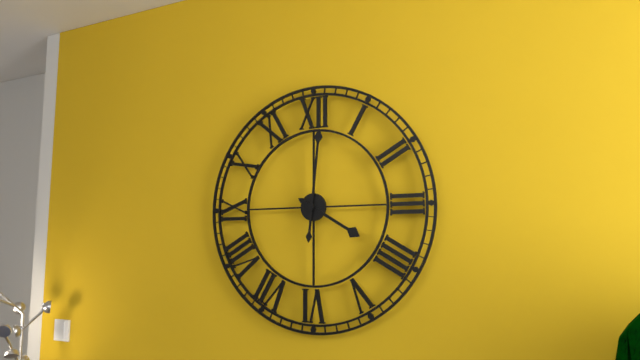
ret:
{"hour": 4, "minute": 1}
